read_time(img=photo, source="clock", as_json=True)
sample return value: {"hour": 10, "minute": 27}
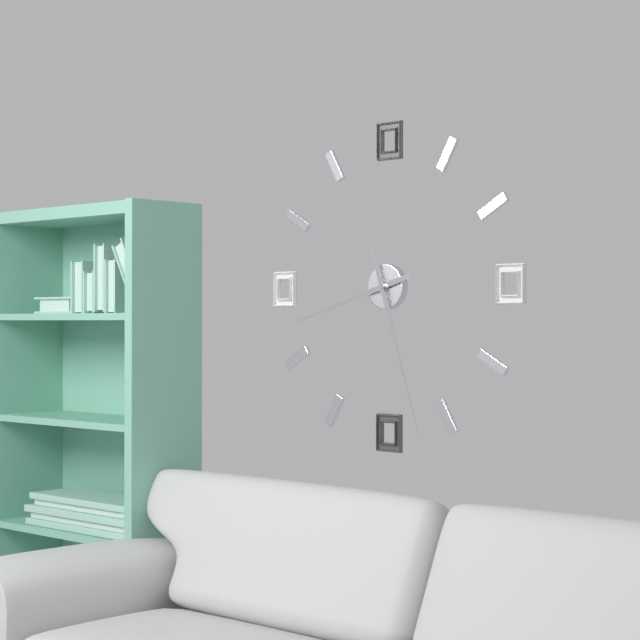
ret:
{"hour": 8, "minute": 27}
